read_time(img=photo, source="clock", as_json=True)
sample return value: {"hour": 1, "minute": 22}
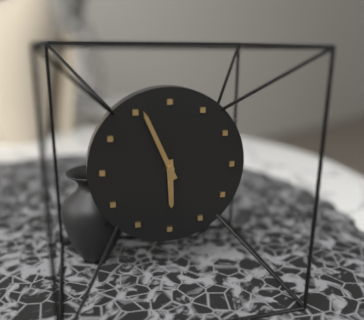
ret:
{"hour": 5, "minute": 56}
